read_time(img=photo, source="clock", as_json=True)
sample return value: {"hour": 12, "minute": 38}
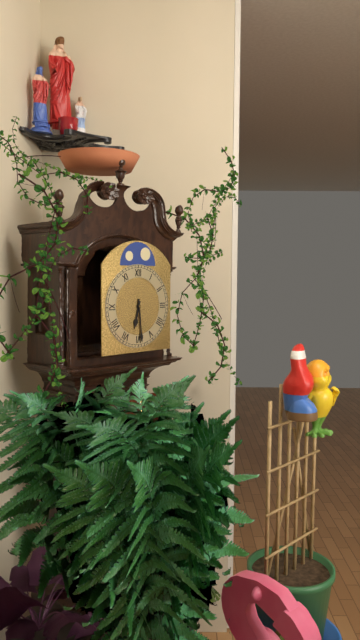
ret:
{"hour": 6, "minute": 29}
